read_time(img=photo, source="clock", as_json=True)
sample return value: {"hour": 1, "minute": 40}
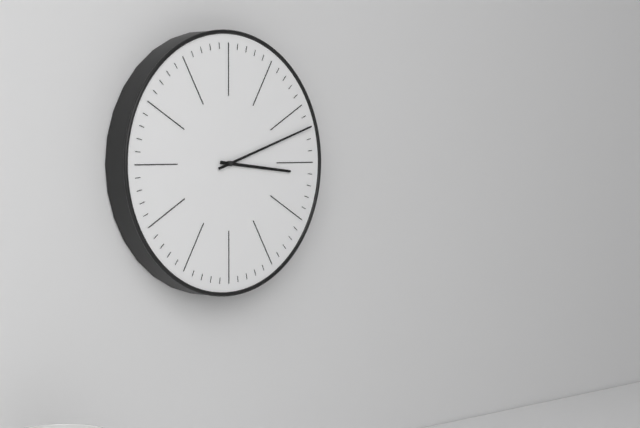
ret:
{"hour": 3, "minute": 12}
